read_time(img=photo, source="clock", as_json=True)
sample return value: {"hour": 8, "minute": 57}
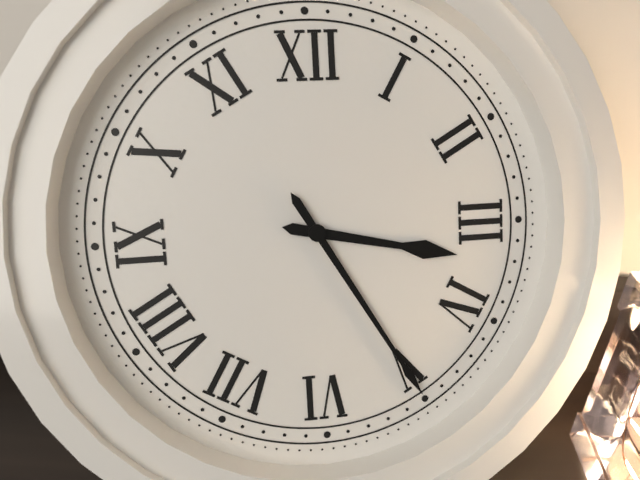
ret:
{"hour": 3, "minute": 25}
